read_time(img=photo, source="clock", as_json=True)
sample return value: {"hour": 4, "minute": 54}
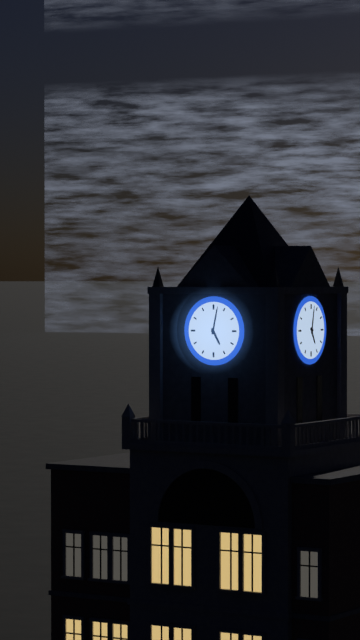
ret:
{"hour": 5, "minute": 2}
